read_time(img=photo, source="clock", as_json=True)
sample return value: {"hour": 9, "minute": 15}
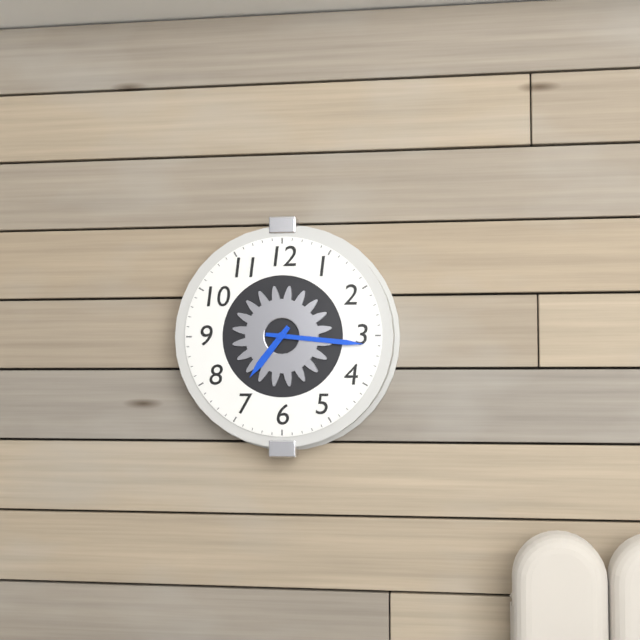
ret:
{"hour": 7, "minute": 16}
